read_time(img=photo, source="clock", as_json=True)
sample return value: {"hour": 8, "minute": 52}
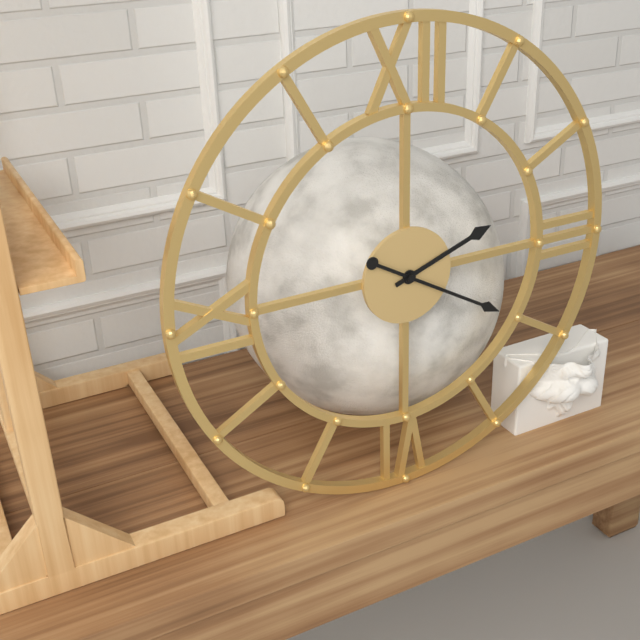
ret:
{"hour": 2, "minute": 20}
